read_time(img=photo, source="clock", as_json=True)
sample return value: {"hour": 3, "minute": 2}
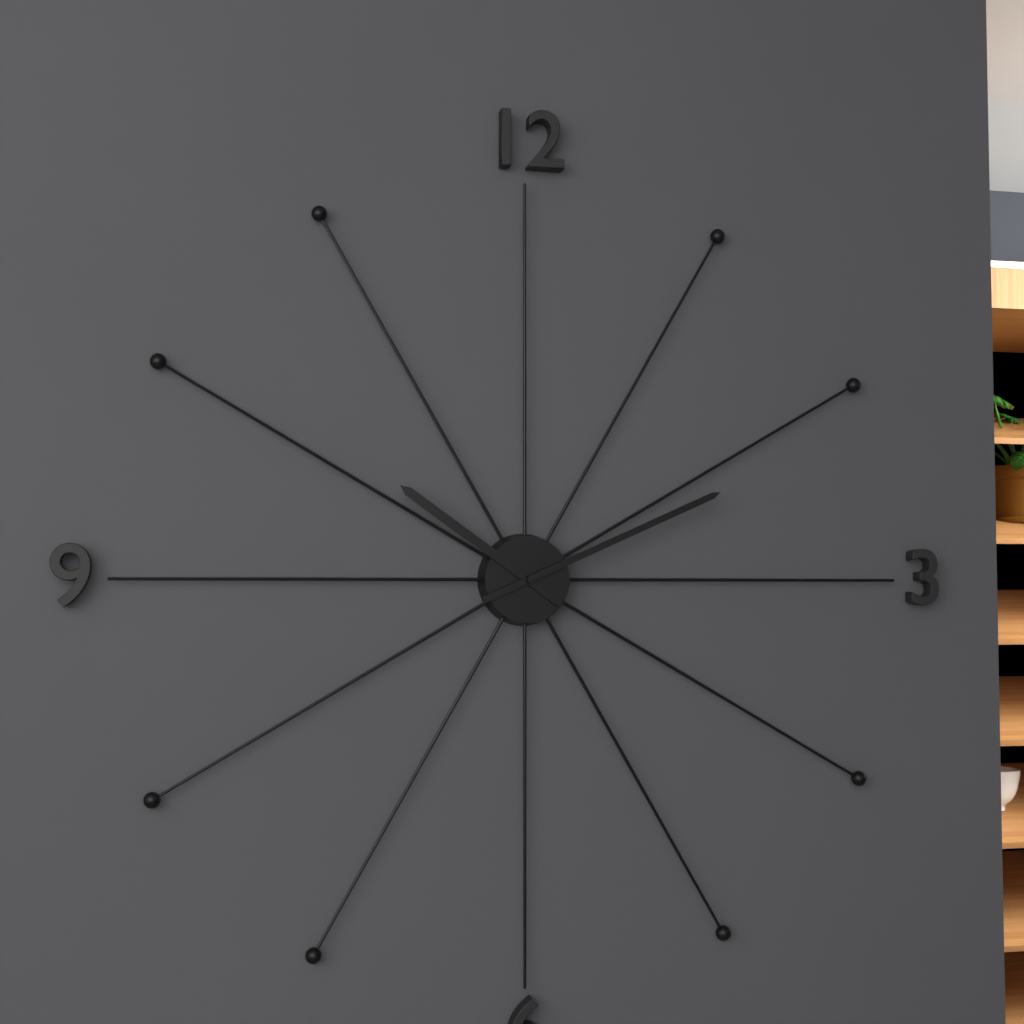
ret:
{"hour": 10, "minute": 11}
